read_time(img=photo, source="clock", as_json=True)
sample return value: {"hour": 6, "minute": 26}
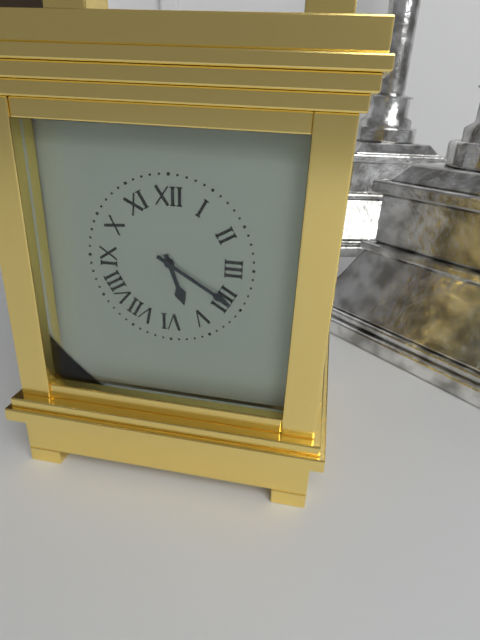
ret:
{"hour": 5, "minute": 20}
